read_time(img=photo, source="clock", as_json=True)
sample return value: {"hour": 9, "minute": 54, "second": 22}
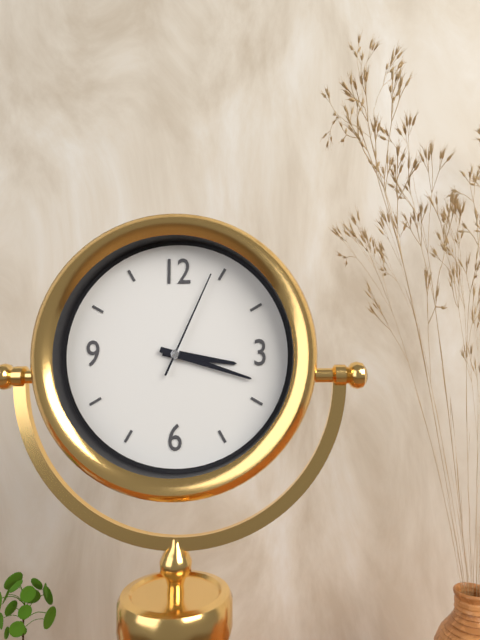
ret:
{"hour": 3, "minute": 18, "second": 4}
